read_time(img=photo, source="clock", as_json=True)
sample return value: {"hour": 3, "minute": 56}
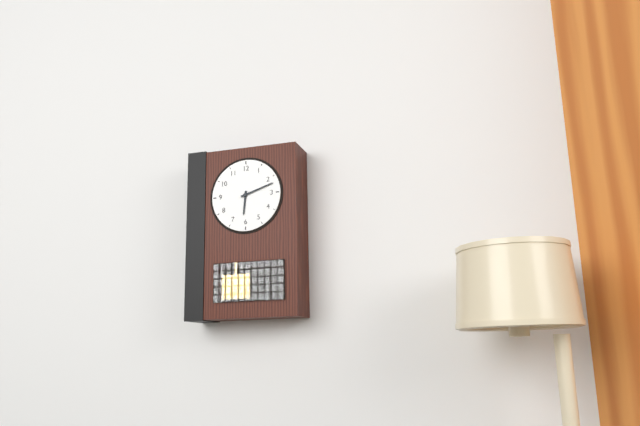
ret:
{"hour": 6, "minute": 12}
